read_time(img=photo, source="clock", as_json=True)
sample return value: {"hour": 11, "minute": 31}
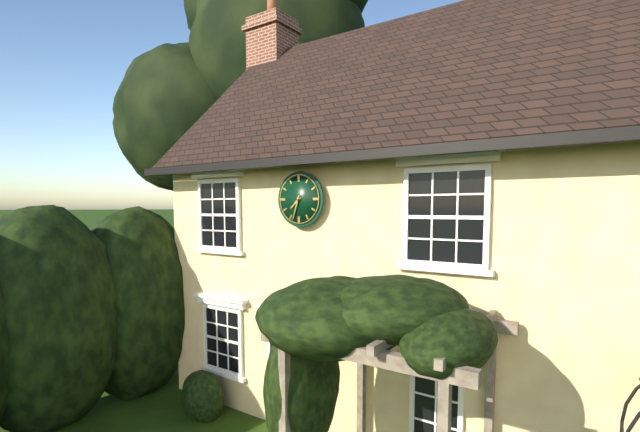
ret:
{"hour": 7, "minute": 33}
